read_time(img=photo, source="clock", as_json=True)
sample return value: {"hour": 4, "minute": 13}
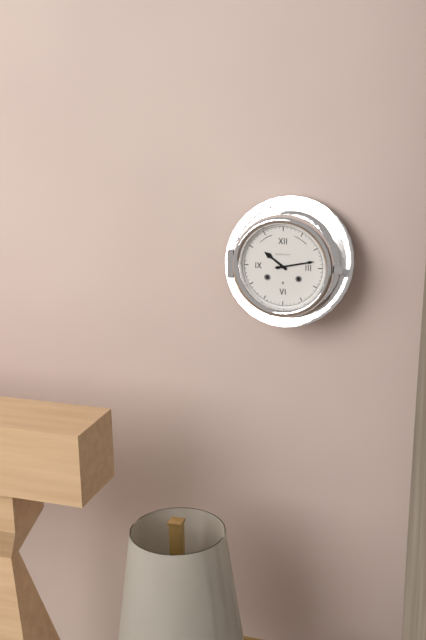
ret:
{"hour": 10, "minute": 13}
